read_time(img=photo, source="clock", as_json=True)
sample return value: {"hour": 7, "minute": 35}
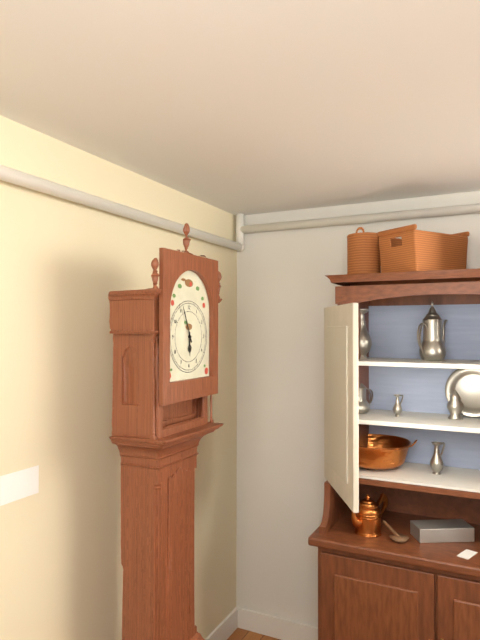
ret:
{"hour": 5, "minute": 56}
